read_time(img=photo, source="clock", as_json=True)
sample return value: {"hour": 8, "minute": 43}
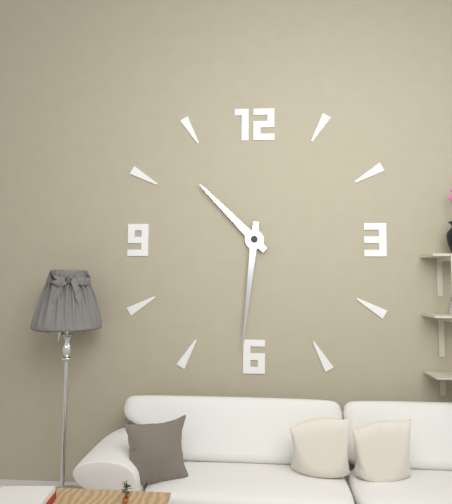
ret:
{"hour": 10, "minute": 31}
